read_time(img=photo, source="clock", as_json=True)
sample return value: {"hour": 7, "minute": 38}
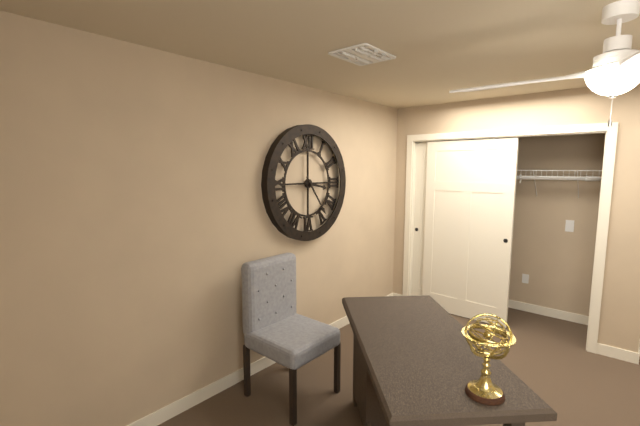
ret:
{"hour": 3, "minute": 24}
